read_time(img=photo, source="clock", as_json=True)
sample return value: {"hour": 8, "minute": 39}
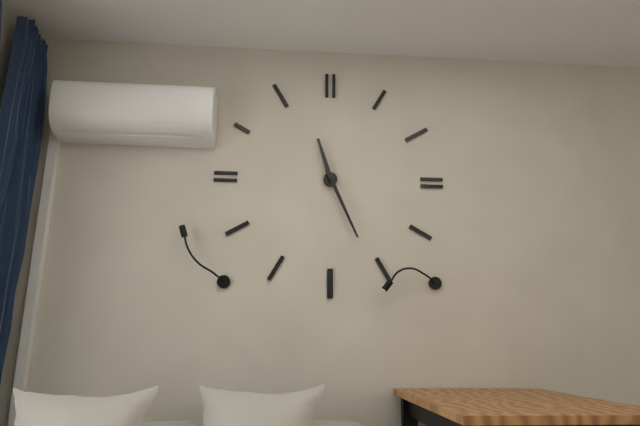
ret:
{"hour": 11, "minute": 26}
